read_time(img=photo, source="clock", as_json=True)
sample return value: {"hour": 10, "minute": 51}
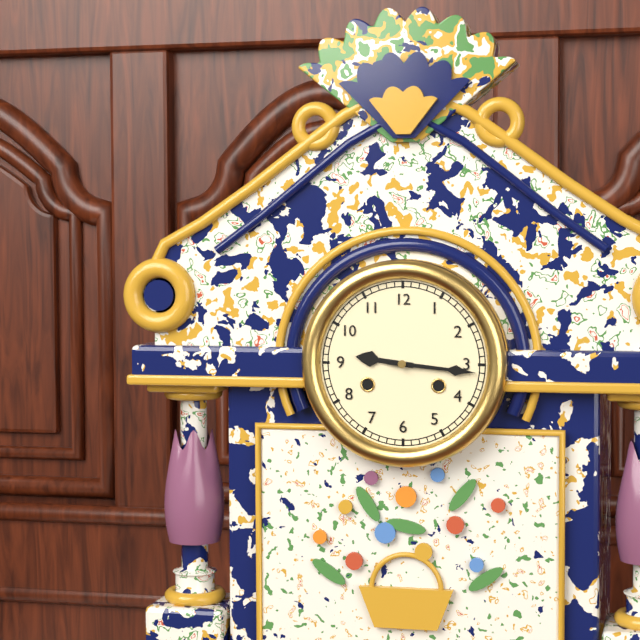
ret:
{"hour": 9, "minute": 16}
